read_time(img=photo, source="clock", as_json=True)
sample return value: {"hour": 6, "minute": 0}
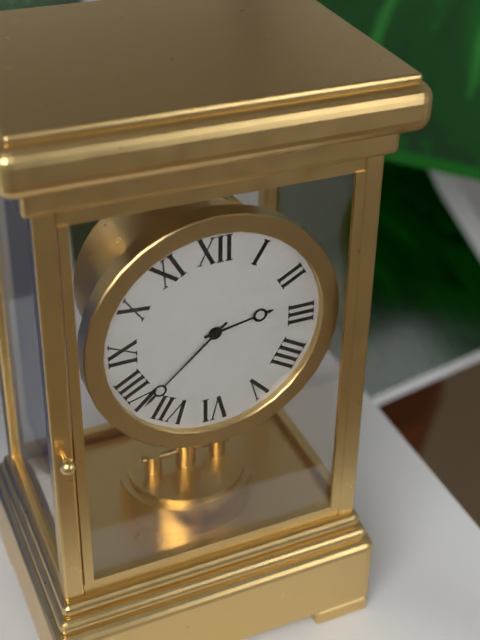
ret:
{"hour": 2, "minute": 38}
